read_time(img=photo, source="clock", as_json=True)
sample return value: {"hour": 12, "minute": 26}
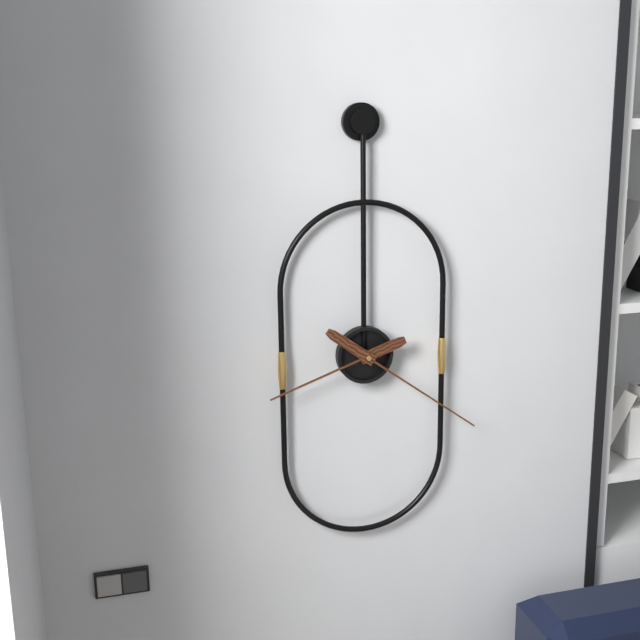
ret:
{"hour": 8, "minute": 21}
